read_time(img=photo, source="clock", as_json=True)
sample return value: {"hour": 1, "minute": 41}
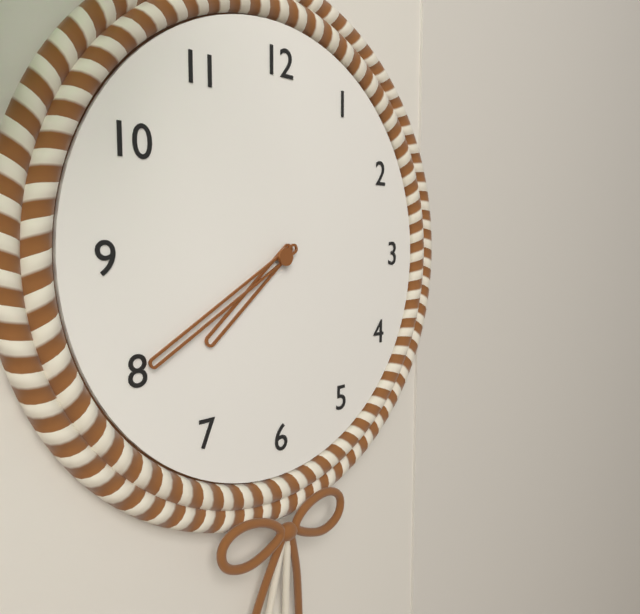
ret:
{"hour": 7, "minute": 40}
